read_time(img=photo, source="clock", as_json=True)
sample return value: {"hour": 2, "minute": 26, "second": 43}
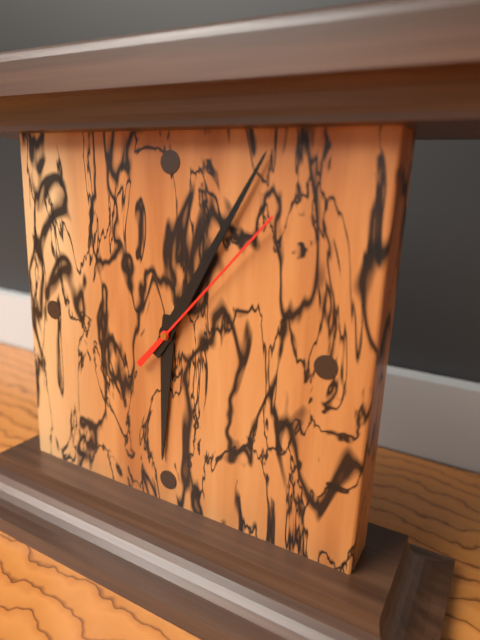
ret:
{"hour": 6, "minute": 5, "second": 7}
